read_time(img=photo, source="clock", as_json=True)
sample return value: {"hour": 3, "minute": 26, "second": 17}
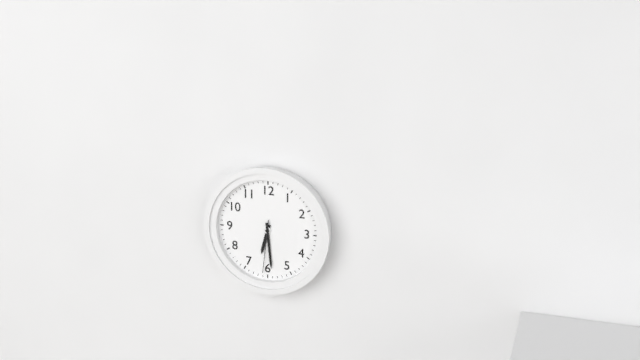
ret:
{"hour": 6, "minute": 29, "second": 31}
